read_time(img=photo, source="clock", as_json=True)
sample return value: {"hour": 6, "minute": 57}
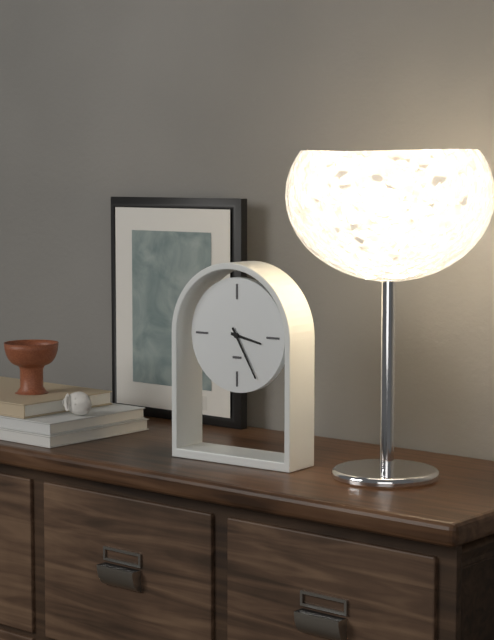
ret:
{"hour": 3, "minute": 25}
